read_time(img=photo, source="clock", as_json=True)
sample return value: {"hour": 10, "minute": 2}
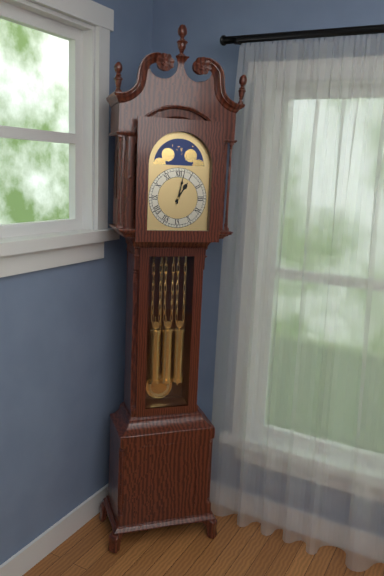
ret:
{"hour": 1, "minute": 2}
